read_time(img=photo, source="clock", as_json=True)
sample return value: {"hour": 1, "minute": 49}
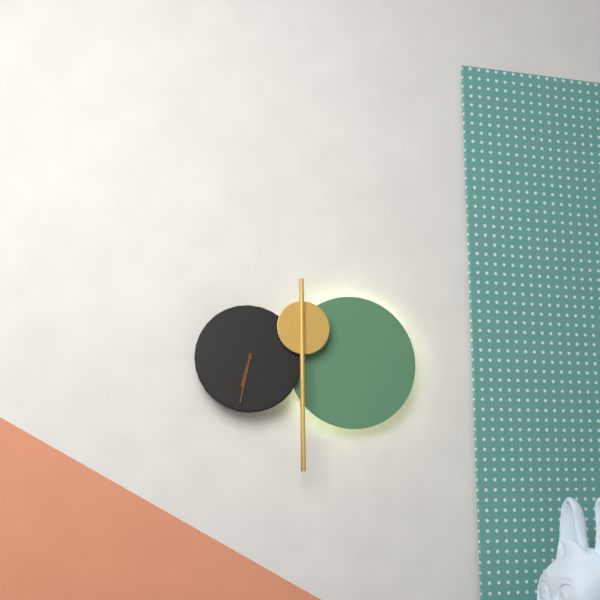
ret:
{"hour": 6, "minute": 32}
